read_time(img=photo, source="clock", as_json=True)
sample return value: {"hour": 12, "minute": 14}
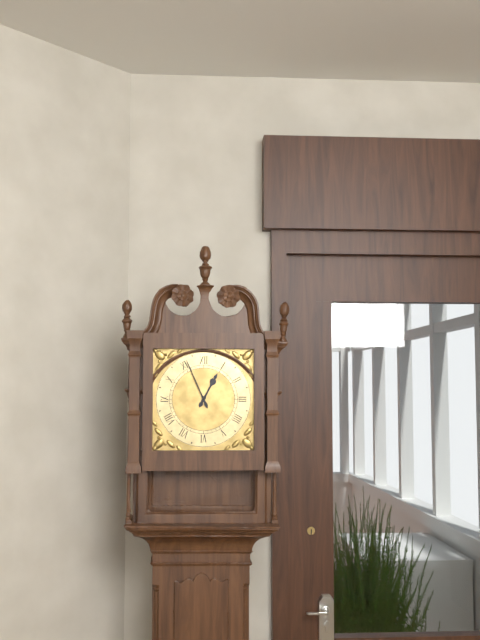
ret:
{"hour": 12, "minute": 56}
